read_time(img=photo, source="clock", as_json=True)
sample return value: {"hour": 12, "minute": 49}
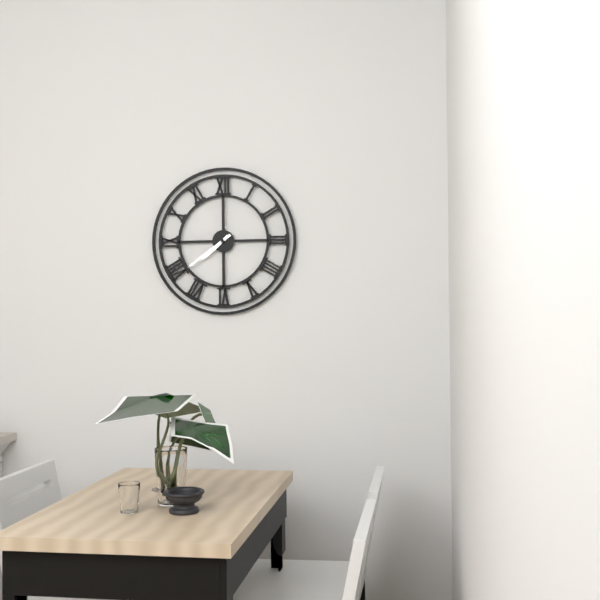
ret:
{"hour": 7, "minute": 39}
